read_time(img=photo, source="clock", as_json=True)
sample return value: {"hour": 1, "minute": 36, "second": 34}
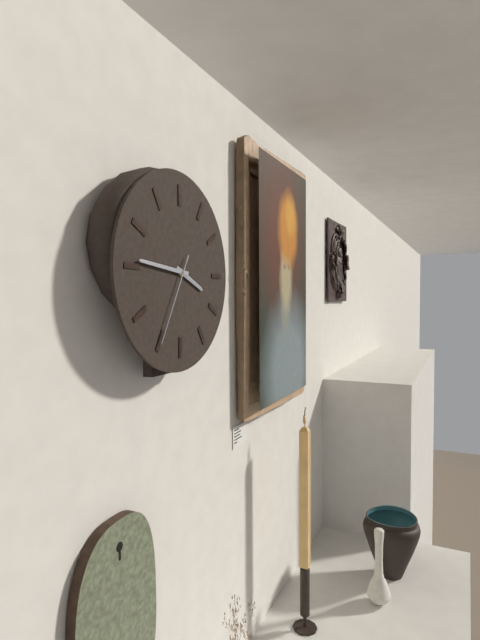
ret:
{"hour": 3, "minute": 46, "second": 35}
